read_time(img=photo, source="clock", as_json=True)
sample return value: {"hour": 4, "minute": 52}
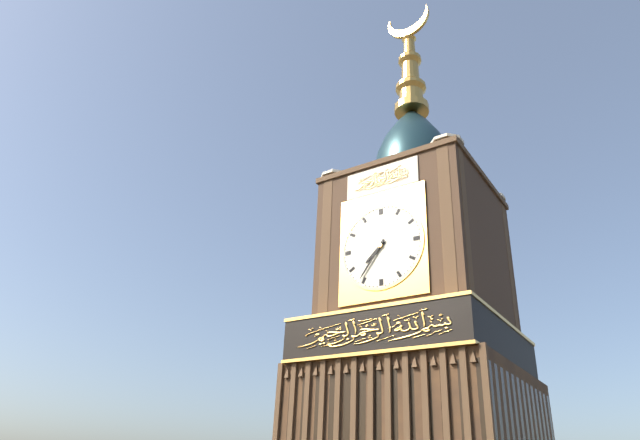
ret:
{"hour": 7, "minute": 36}
